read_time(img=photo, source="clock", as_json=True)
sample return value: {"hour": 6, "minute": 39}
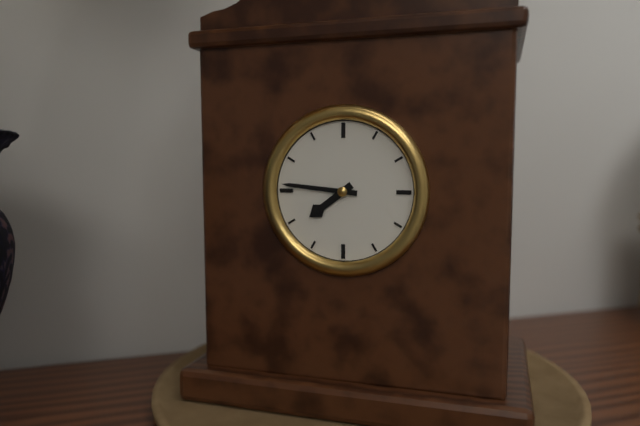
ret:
{"hour": 7, "minute": 46}
